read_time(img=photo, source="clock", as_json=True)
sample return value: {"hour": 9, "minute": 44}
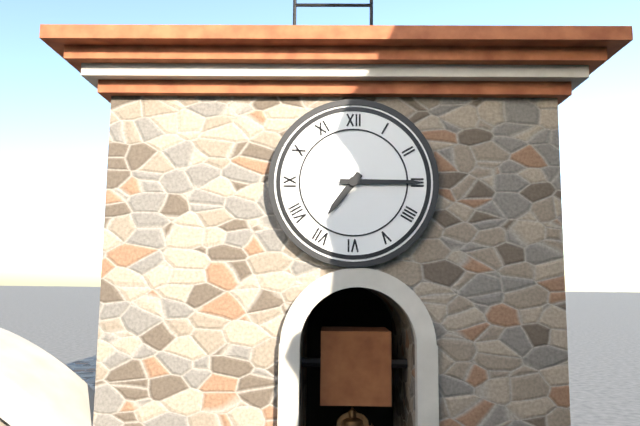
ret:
{"hour": 7, "minute": 15}
